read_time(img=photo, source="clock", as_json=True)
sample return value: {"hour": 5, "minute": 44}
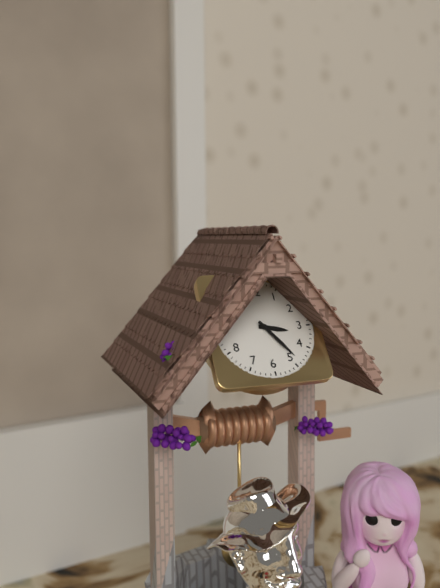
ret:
{"hour": 3, "minute": 24}
